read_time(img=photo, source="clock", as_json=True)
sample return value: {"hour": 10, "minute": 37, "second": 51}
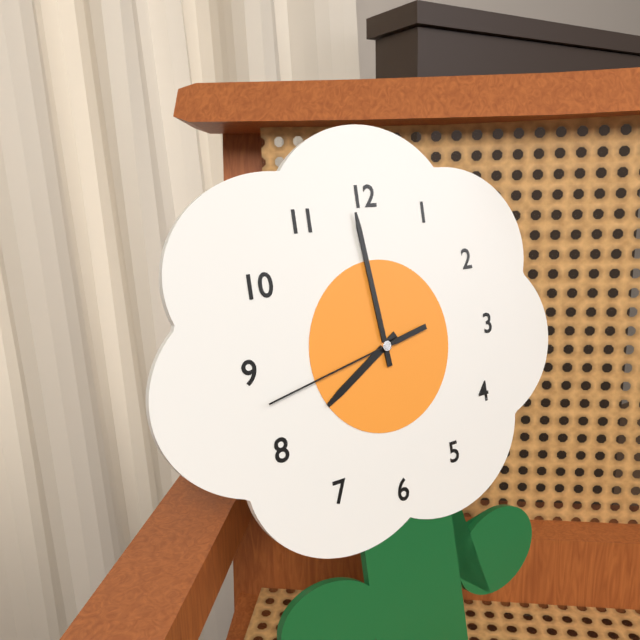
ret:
{"hour": 7, "minute": 59, "second": 43}
